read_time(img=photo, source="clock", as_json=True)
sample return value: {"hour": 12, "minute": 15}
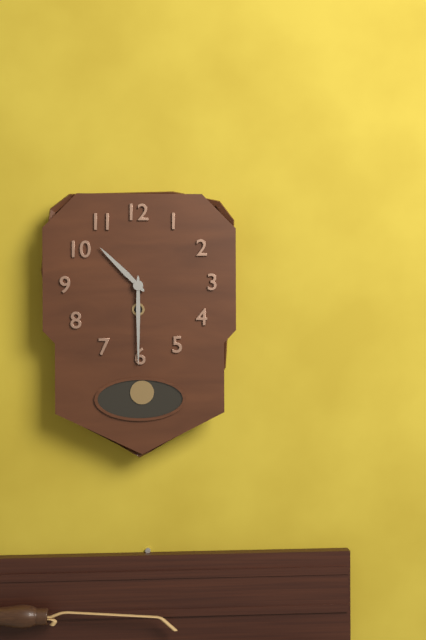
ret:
{"hour": 10, "minute": 30}
